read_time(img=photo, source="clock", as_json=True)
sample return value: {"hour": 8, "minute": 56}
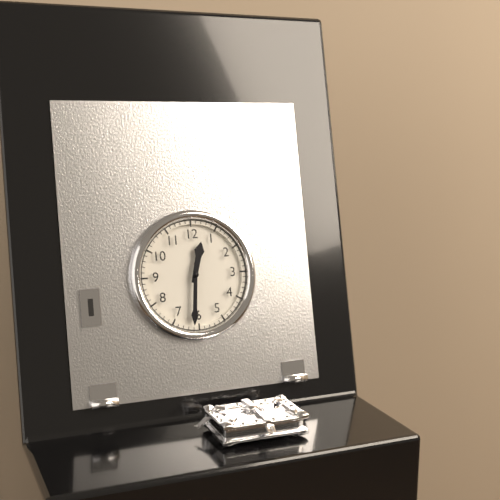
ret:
{"hour": 12, "minute": 31}
